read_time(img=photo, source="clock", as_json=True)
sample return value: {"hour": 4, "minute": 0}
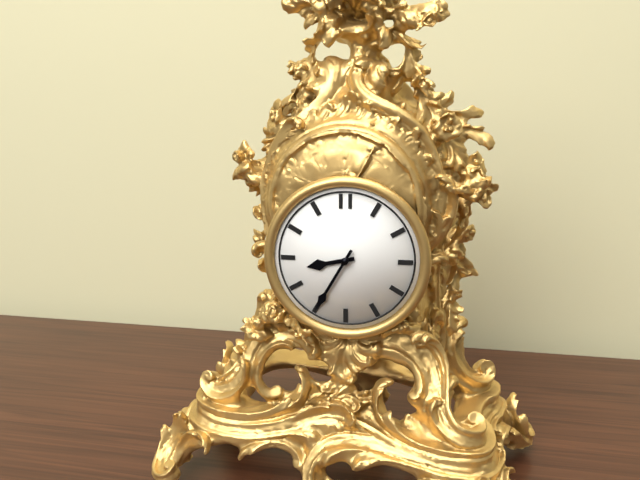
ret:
{"hour": 8, "minute": 35}
